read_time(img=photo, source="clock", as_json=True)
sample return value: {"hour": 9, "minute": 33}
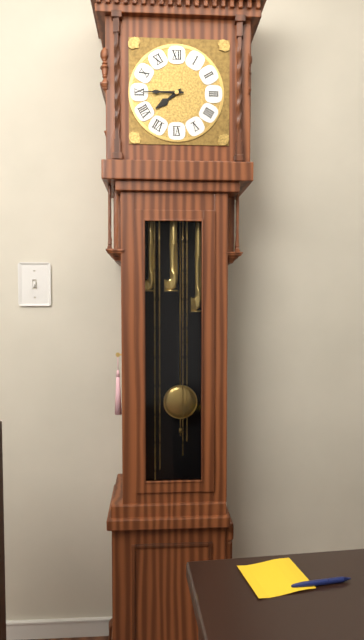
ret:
{"hour": 7, "minute": 45}
